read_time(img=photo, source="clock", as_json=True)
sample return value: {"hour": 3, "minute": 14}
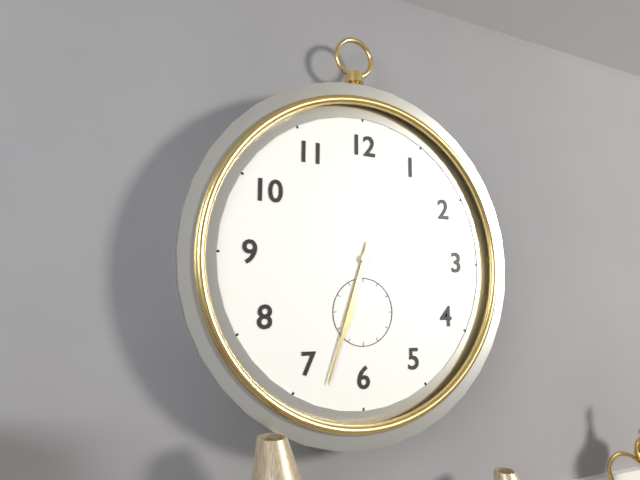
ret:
{"hour": 6, "minute": 33}
